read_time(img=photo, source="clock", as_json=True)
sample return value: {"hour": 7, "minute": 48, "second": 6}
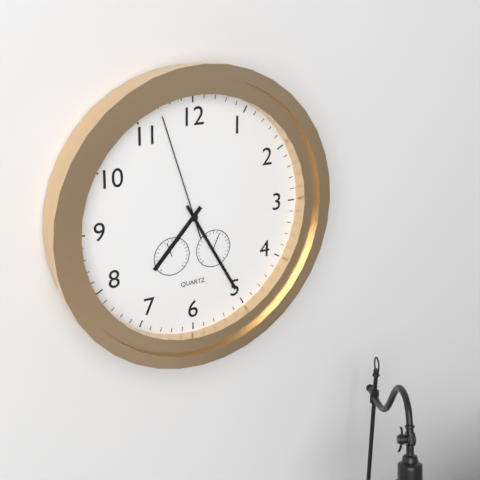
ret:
{"hour": 7, "minute": 25, "second": 57}
